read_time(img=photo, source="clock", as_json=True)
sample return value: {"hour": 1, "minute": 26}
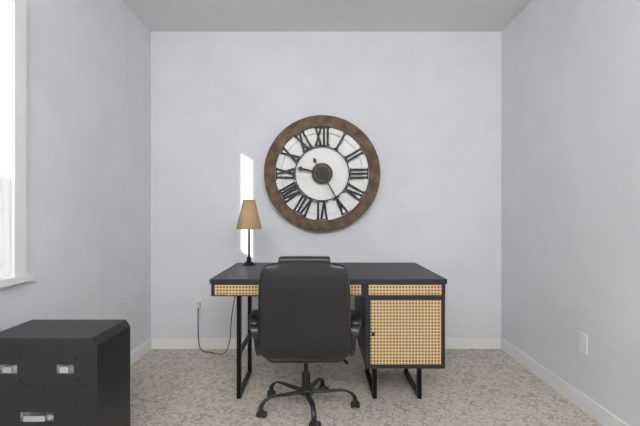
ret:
{"hour": 9, "minute": 25}
